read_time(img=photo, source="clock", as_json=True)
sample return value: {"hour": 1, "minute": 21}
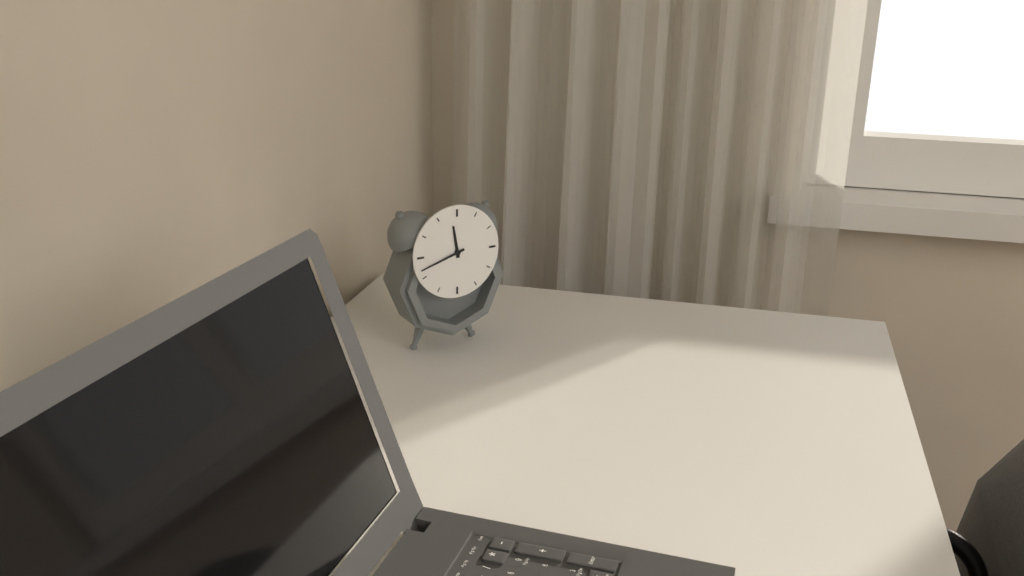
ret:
{"hour": 11, "minute": 42}
